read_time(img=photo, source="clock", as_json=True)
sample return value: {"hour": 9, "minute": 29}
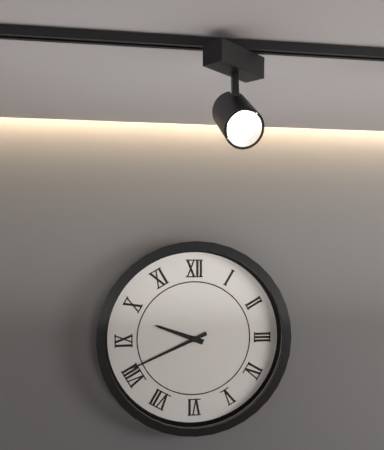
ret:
{"hour": 9, "minute": 41}
